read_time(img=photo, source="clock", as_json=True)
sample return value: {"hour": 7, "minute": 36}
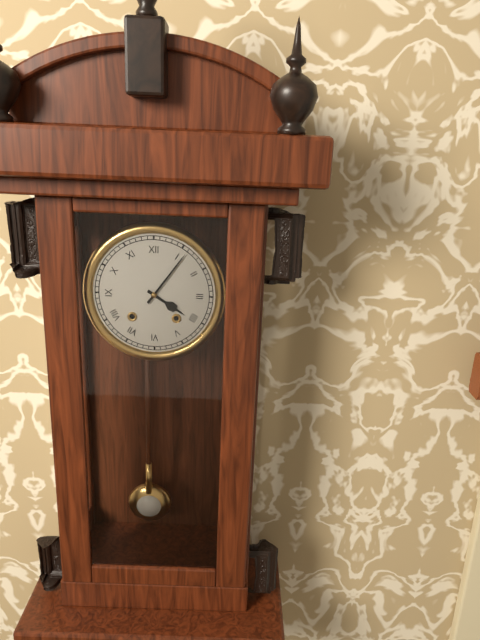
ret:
{"hour": 4, "minute": 6}
